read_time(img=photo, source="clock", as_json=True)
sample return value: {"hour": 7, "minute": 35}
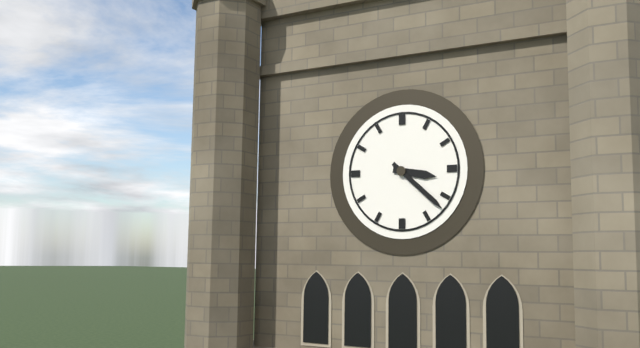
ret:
{"hour": 3, "minute": 22}
